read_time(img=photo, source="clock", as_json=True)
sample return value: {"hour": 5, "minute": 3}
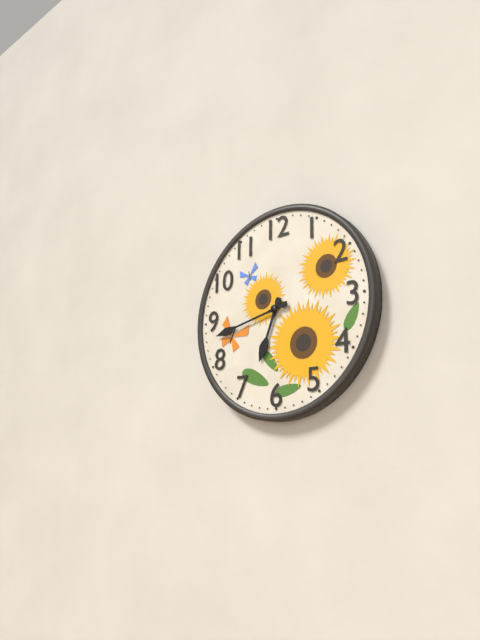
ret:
{"hour": 6, "minute": 43}
